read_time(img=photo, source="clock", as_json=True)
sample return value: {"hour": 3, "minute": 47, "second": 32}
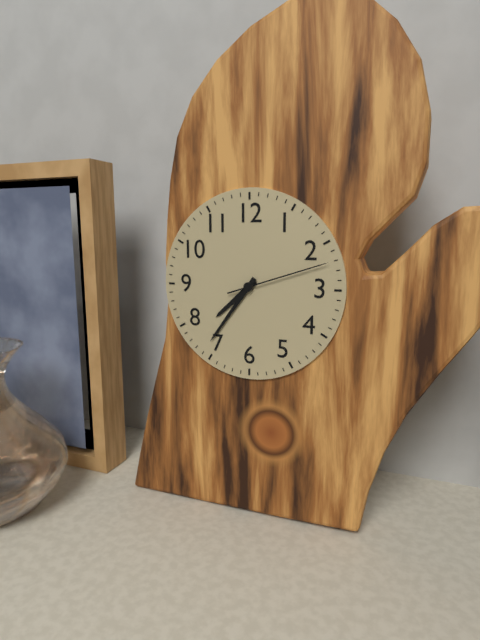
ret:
{"hour": 7, "minute": 36, "second": 12}
